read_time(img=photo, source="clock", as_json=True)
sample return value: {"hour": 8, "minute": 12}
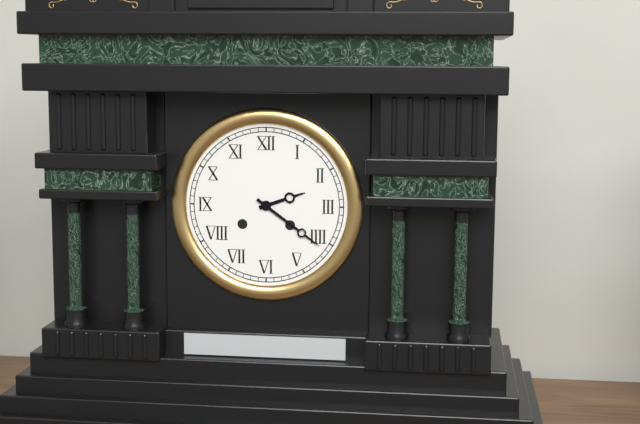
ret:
{"hour": 2, "minute": 21}
